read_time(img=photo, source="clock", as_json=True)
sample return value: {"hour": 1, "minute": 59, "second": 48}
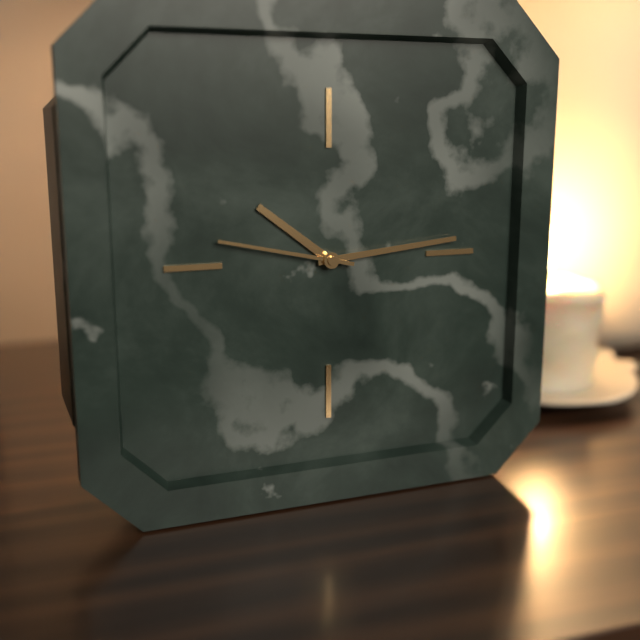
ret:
{"hour": 10, "minute": 14, "second": 47}
